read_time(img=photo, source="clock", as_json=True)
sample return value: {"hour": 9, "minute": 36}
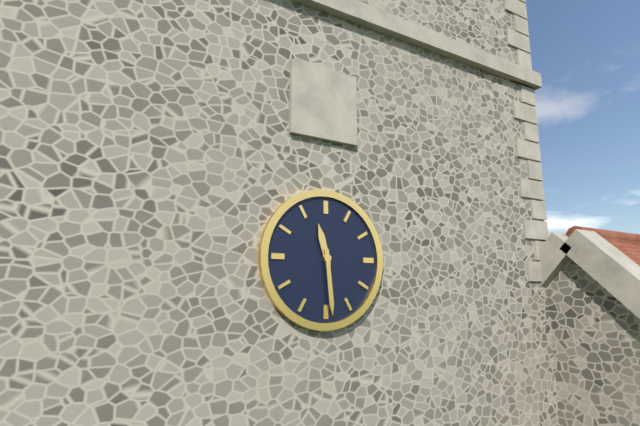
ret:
{"hour": 11, "minute": 29}
